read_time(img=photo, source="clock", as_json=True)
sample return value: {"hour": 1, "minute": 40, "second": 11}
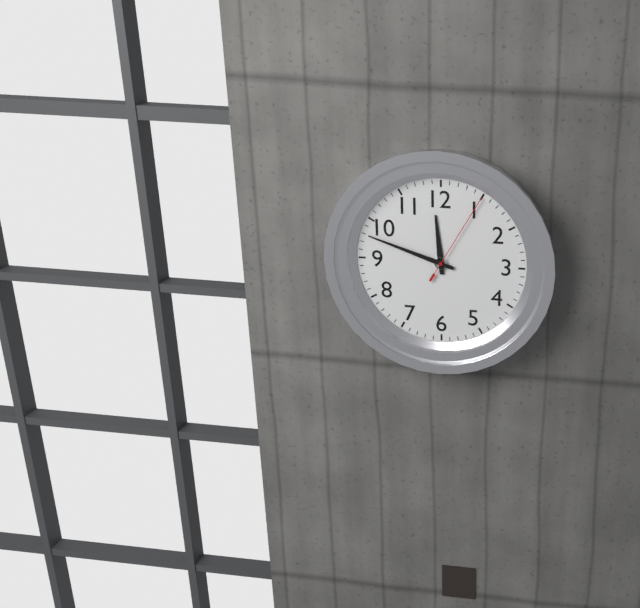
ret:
{"hour": 11, "minute": 48, "second": 5}
